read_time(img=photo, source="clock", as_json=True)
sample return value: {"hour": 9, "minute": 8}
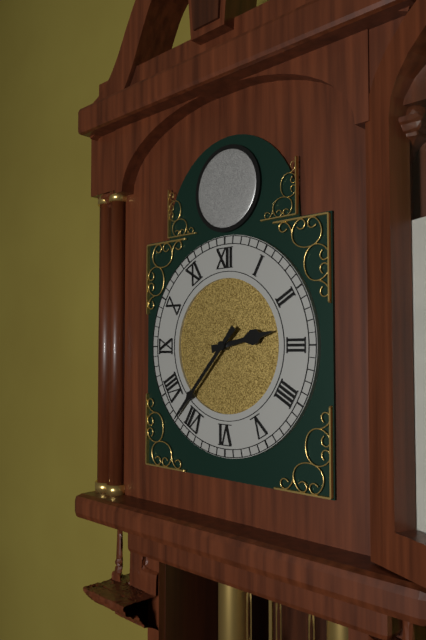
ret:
{"hour": 2, "minute": 37}
